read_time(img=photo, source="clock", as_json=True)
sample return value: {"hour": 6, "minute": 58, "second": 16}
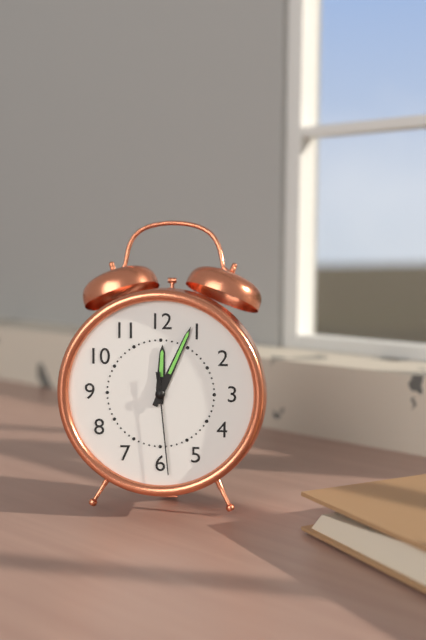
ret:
{"hour": 12, "minute": 4, "second": 29}
